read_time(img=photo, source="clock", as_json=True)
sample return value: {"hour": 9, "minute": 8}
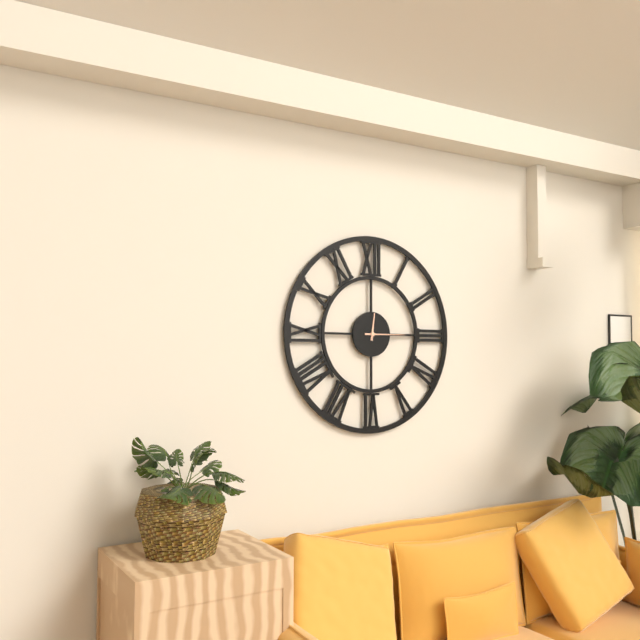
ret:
{"hour": 12, "minute": 15}
